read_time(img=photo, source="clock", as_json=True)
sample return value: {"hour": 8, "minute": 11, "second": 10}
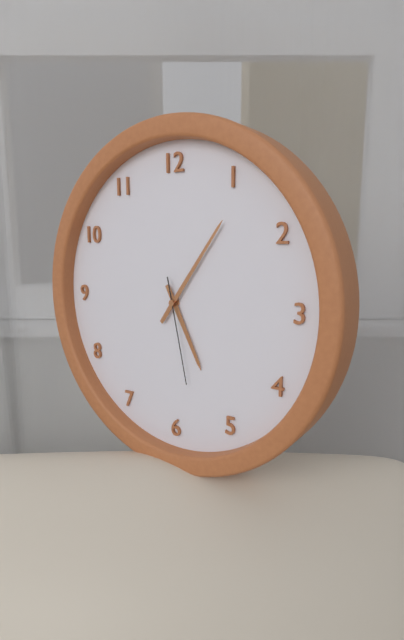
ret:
{"hour": 5, "minute": 6, "second": 28}
